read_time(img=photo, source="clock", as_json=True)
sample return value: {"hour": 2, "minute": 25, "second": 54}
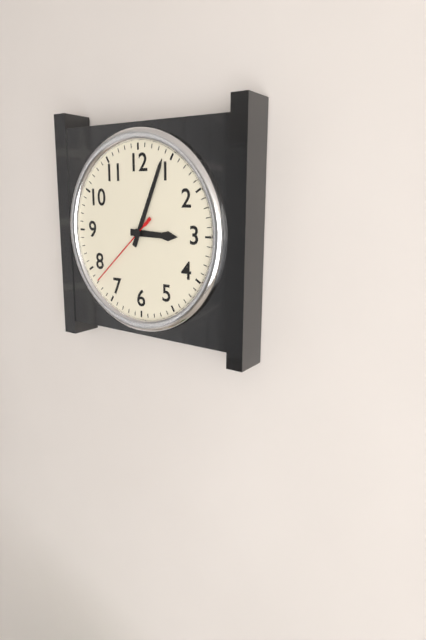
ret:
{"hour": 3, "minute": 4, "second": 38}
